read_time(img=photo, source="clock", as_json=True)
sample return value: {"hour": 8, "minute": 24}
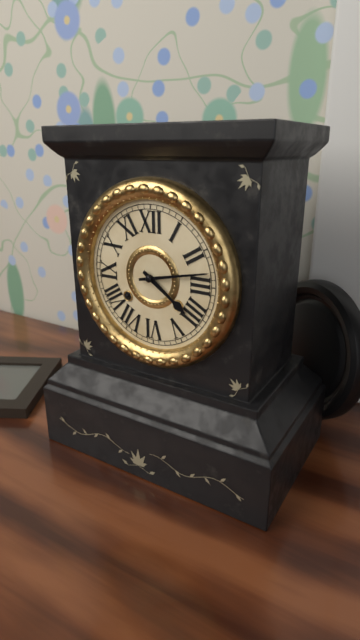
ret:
{"hour": 4, "minute": 13}
